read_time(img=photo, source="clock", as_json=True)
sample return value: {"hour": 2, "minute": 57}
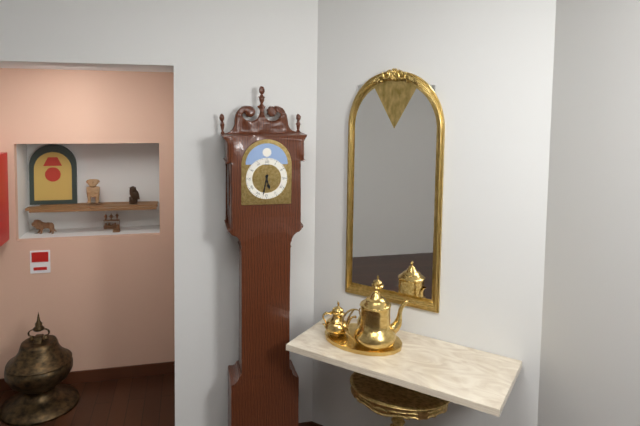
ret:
{"hour": 5, "minute": 32}
